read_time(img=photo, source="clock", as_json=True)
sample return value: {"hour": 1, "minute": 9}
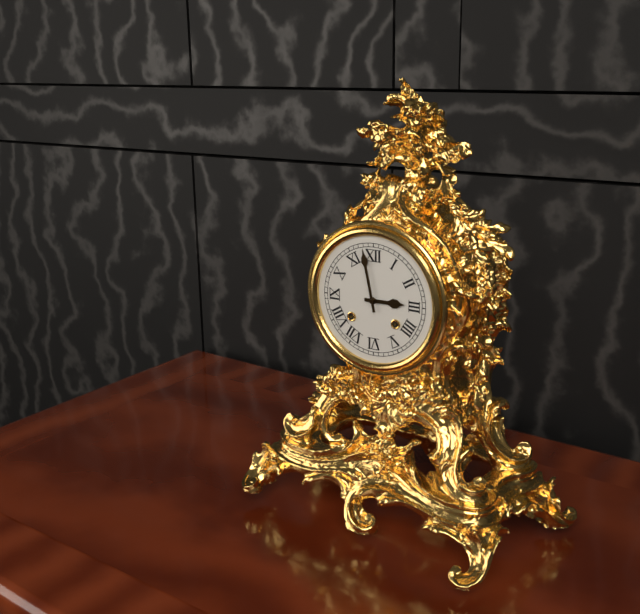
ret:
{"hour": 2, "minute": 58}
